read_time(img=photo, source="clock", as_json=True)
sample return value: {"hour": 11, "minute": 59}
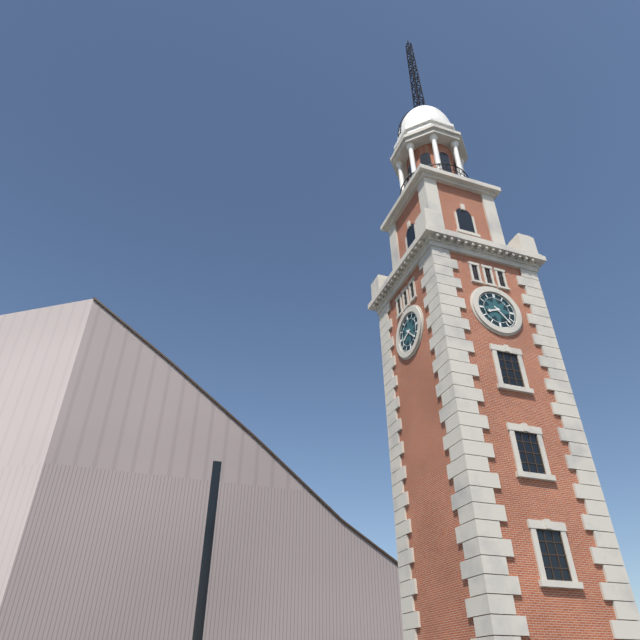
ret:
{"hour": 8, "minute": 23}
